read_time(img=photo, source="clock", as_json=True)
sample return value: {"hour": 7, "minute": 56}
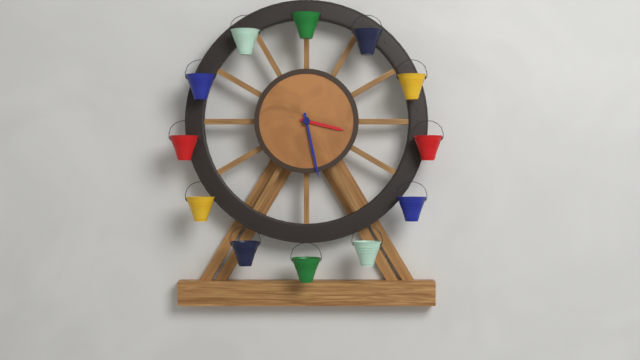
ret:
{"hour": 3, "minute": 28}
